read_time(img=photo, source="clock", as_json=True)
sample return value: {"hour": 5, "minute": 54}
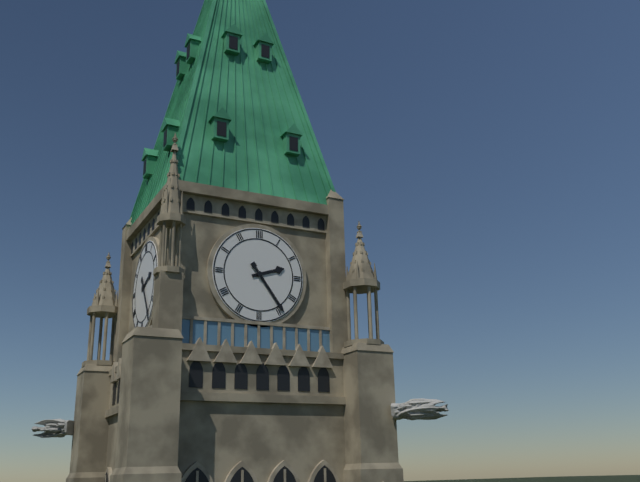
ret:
{"hour": 2, "minute": 24}
